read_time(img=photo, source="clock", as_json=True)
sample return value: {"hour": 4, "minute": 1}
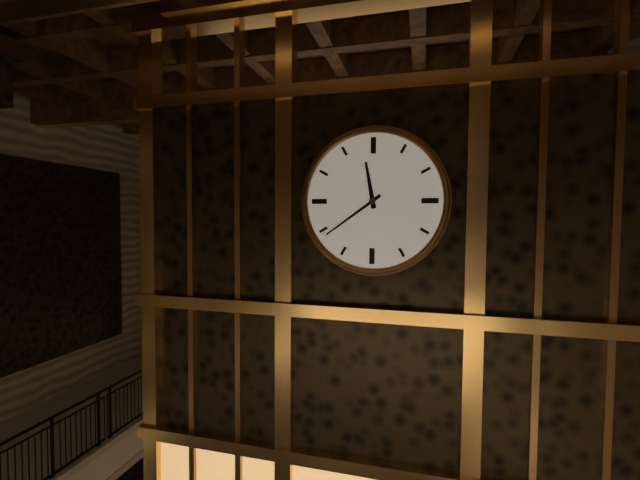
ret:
{"hour": 11, "minute": 39}
